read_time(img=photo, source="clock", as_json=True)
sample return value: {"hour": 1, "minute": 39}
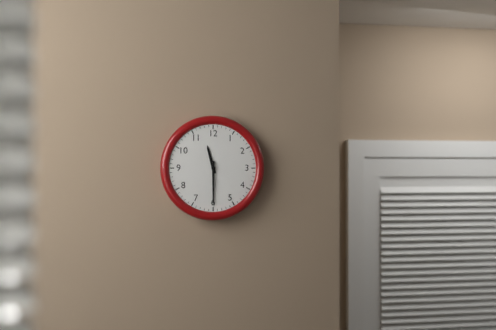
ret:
{"hour": 11, "minute": 30}
